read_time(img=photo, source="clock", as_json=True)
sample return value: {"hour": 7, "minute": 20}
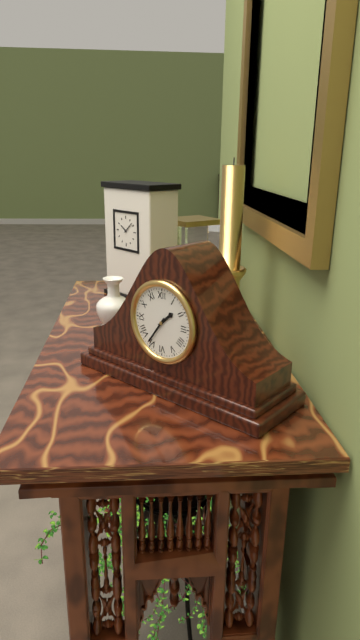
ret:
{"hour": 1, "minute": 36}
